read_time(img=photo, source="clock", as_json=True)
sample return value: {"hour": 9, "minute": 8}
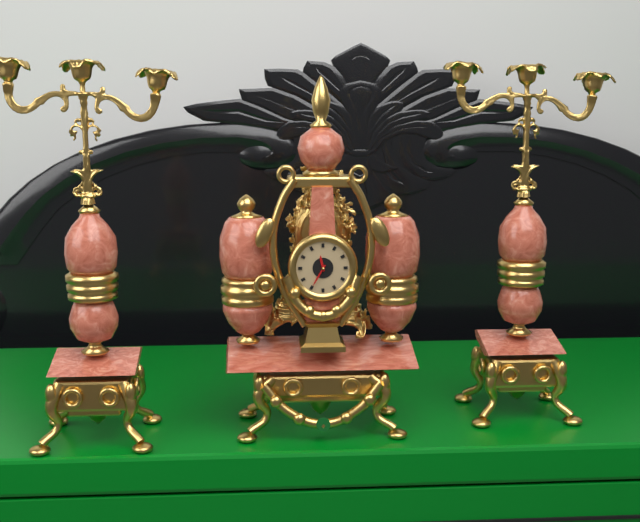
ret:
{"hour": 11, "minute": 35}
